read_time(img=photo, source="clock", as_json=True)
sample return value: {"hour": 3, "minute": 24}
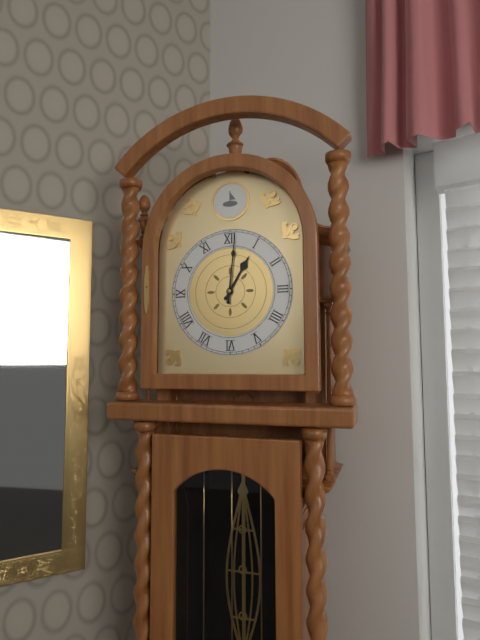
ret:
{"hour": 1, "minute": 1}
